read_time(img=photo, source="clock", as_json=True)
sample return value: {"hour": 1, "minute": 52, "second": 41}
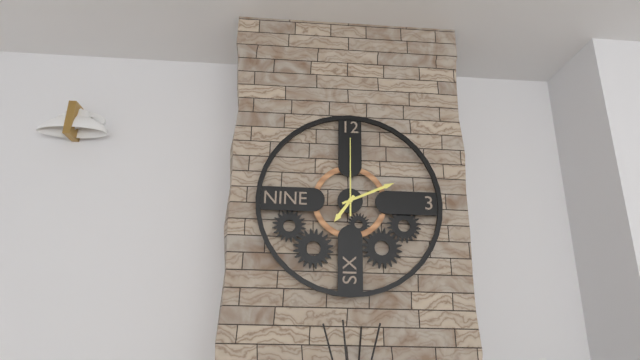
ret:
{"hour": 7, "minute": 11, "second": 0}
